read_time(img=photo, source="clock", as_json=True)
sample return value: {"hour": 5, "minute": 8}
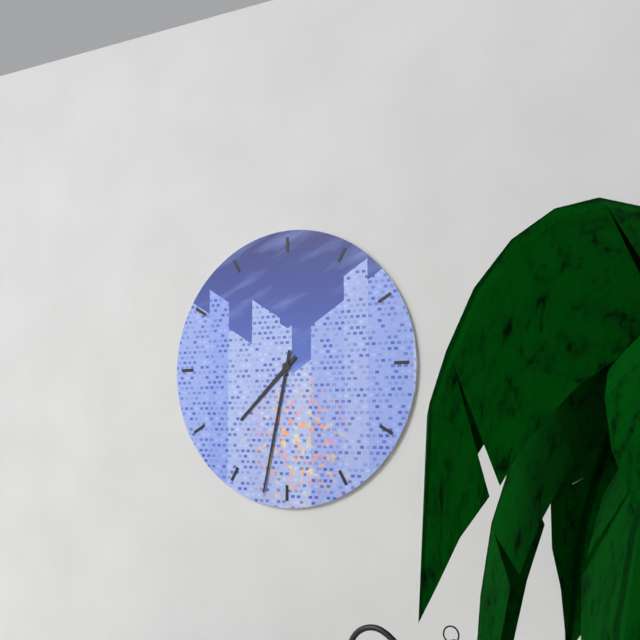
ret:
{"hour": 7, "minute": 32}
